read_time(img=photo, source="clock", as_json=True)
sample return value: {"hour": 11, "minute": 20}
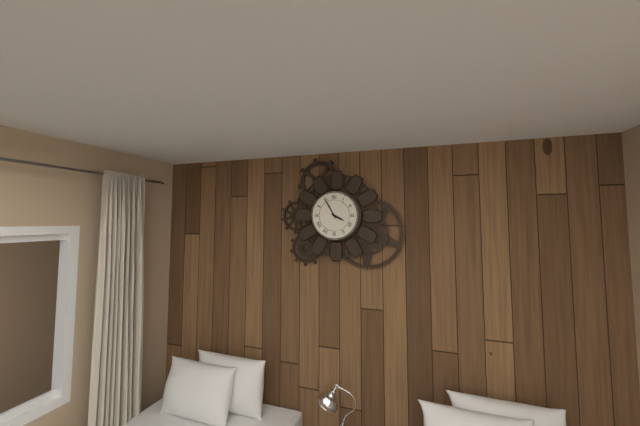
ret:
{"hour": 3, "minute": 55}
